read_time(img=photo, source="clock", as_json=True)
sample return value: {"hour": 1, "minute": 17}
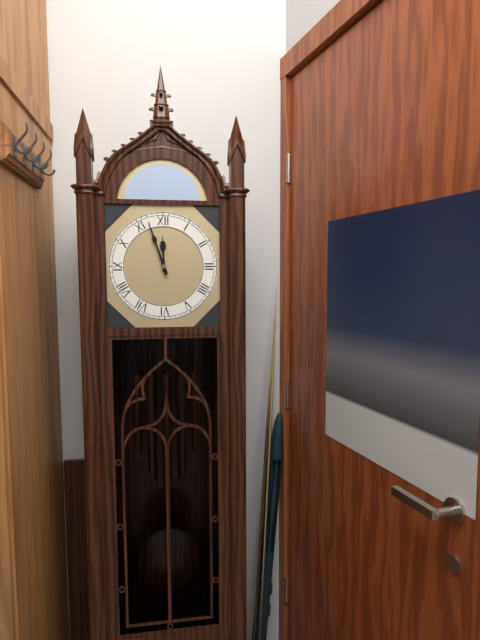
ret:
{"hour": 11, "minute": 57}
